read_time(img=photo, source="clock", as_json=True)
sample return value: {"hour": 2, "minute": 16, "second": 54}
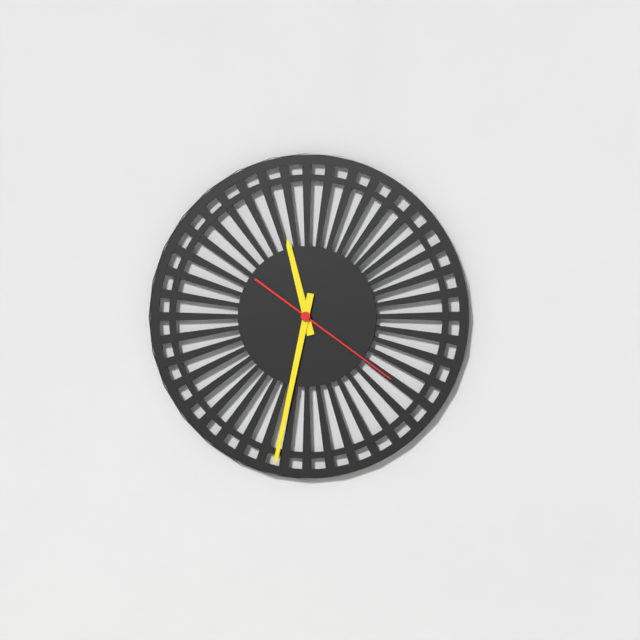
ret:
{"hour": 11, "minute": 32, "second": 21}
